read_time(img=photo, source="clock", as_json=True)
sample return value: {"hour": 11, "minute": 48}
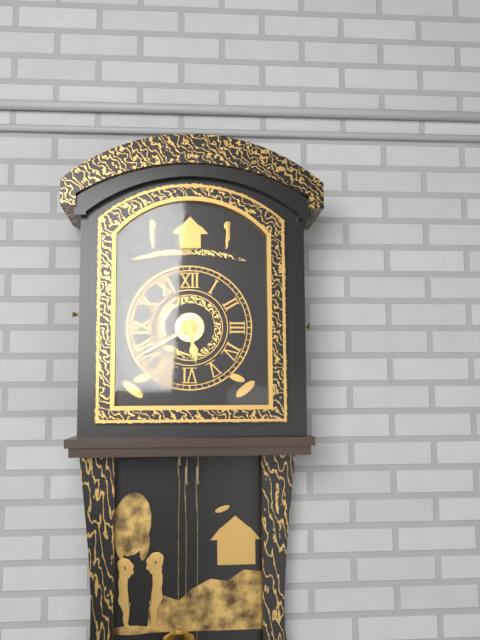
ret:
{"hour": 5, "minute": 40}
